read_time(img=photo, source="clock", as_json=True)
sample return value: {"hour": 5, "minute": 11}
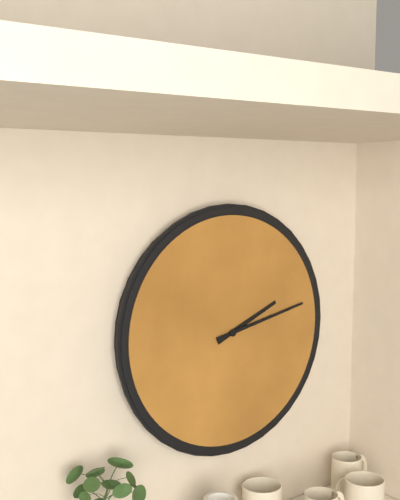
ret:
{"hour": 2, "minute": 13}
